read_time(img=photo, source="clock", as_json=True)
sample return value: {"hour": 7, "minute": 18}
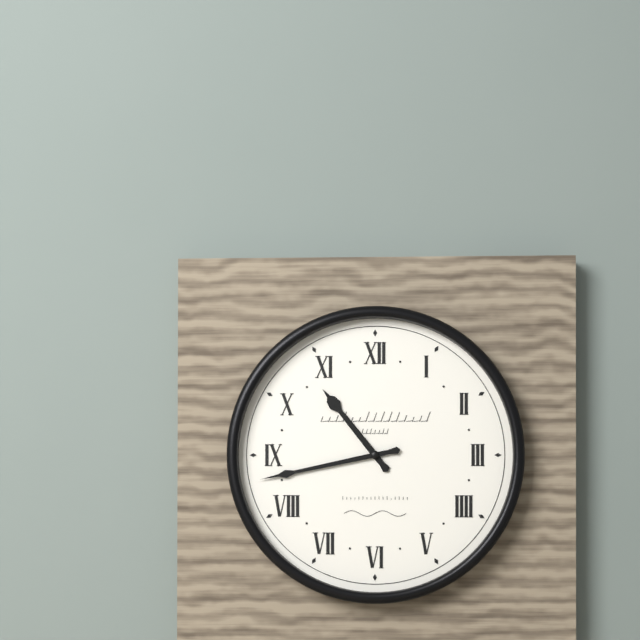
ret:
{"hour": 10, "minute": 43}
